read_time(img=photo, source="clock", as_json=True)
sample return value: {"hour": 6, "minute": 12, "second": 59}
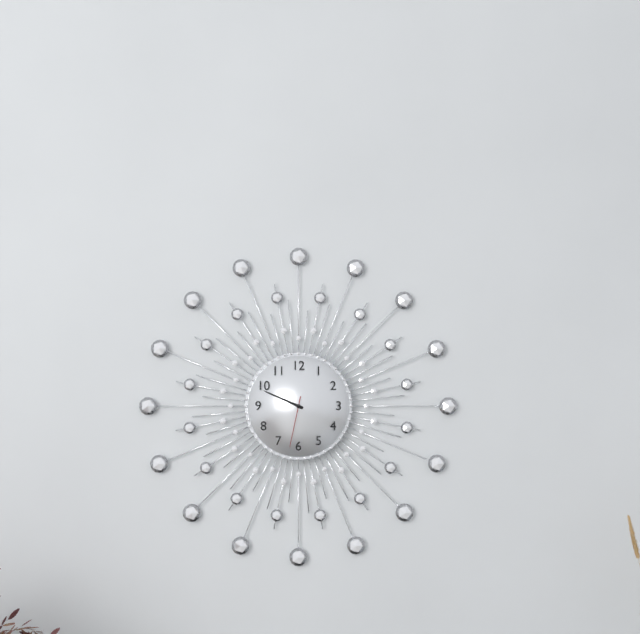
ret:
{"hour": 9, "minute": 49, "second": 32}
